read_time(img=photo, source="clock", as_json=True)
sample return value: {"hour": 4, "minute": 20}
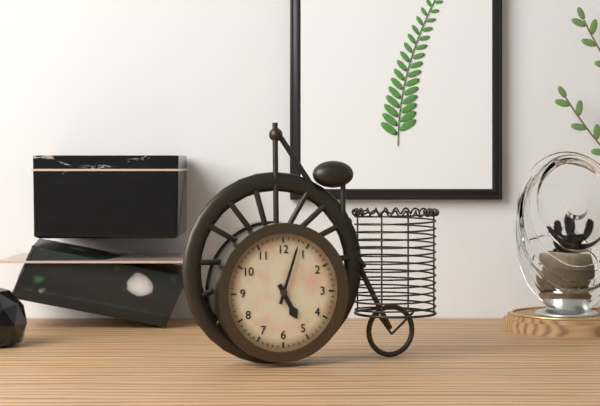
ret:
{"hour": 5, "minute": 3}
